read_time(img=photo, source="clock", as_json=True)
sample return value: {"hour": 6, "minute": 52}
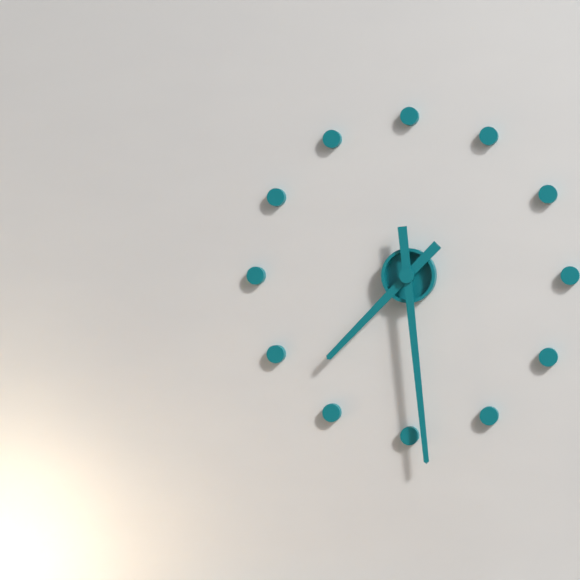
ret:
{"hour": 7, "minute": 29}
